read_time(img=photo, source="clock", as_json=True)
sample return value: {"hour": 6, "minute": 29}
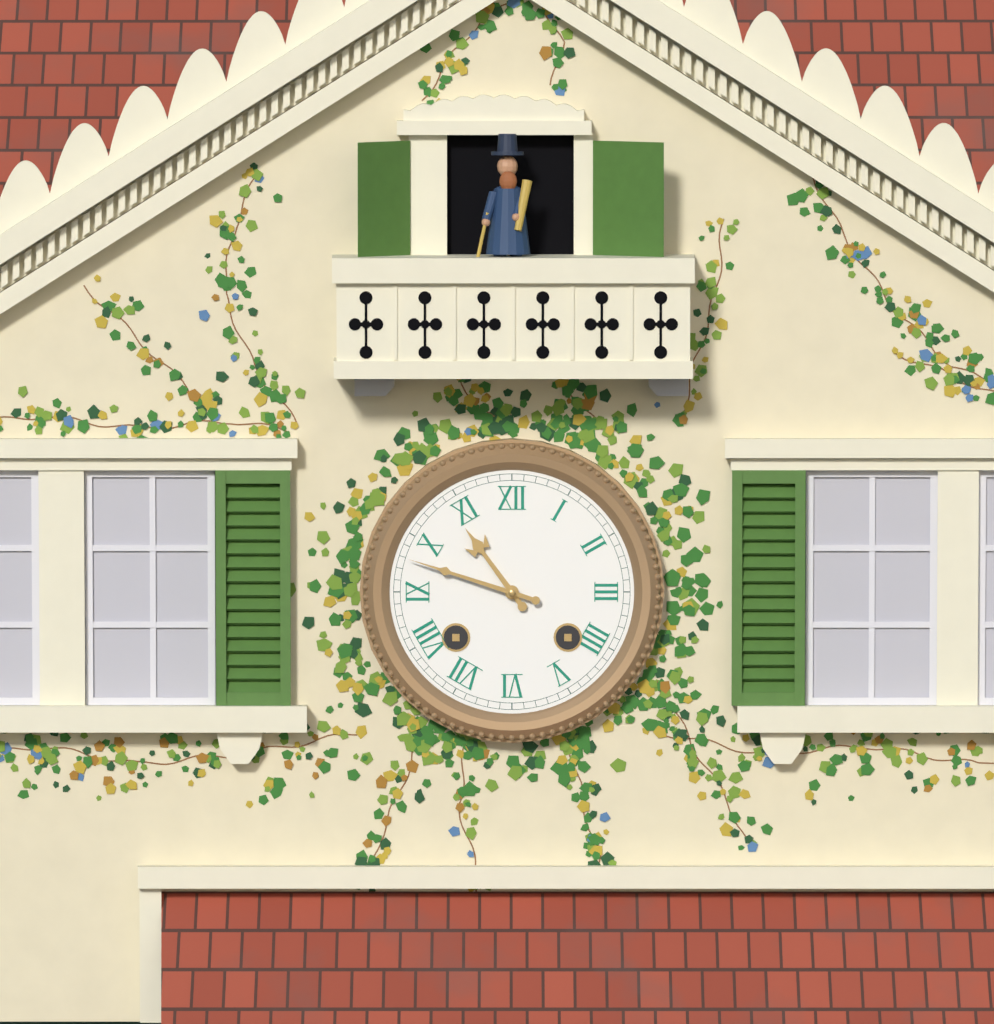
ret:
{"hour": 10, "minute": 48}
